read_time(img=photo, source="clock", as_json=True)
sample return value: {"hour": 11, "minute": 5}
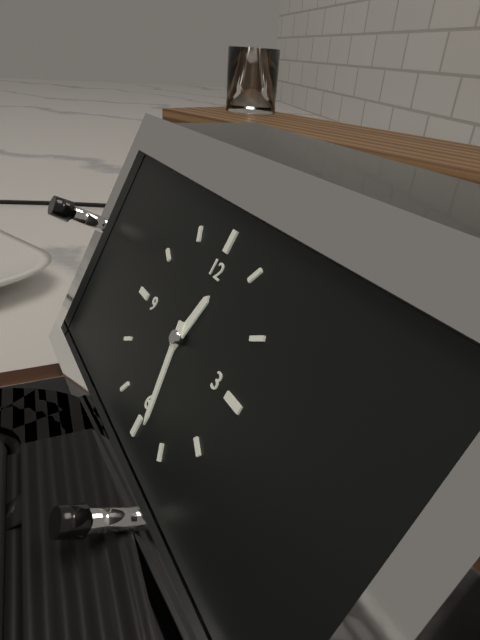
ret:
{"hour": 12, "minute": 28}
